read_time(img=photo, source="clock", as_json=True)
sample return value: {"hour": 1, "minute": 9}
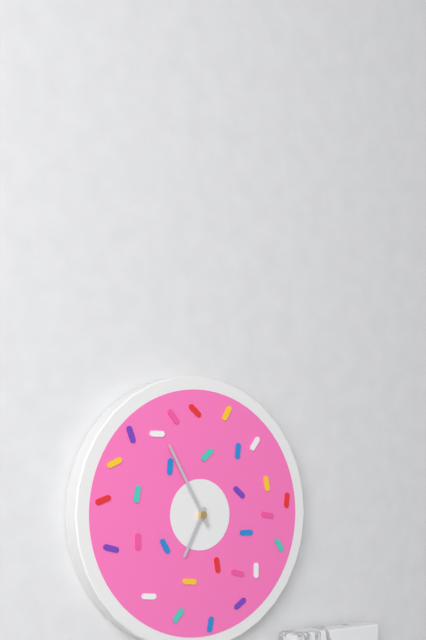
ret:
{"hour": 6, "minute": 55}
